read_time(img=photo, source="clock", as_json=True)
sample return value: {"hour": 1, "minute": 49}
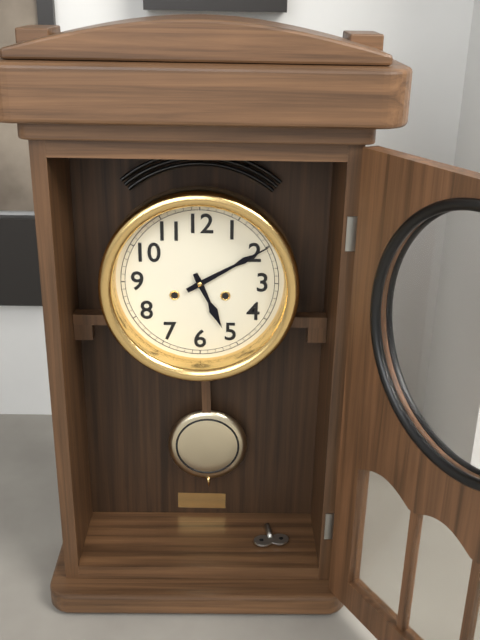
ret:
{"hour": 5, "minute": 10}
